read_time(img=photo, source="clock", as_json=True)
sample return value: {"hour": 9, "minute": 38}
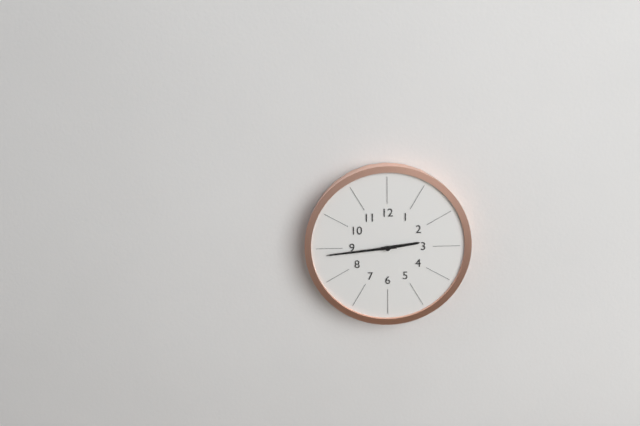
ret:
{"hour": 2, "minute": 44}
